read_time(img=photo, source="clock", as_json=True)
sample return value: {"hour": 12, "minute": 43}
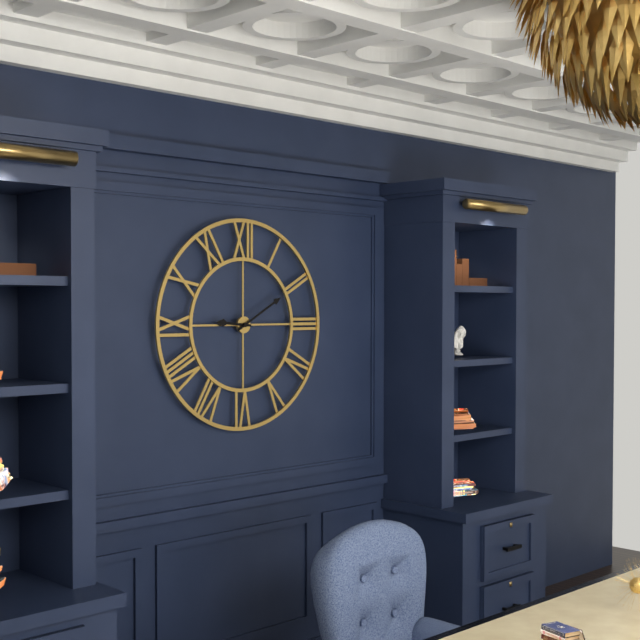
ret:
{"hour": 9, "minute": 10}
